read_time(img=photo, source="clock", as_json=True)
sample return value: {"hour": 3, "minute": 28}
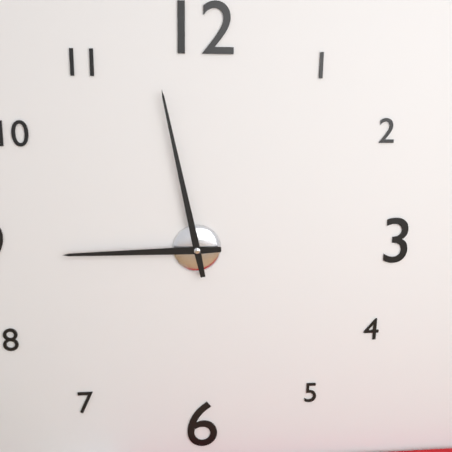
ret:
{"hour": 8, "minute": 58}
